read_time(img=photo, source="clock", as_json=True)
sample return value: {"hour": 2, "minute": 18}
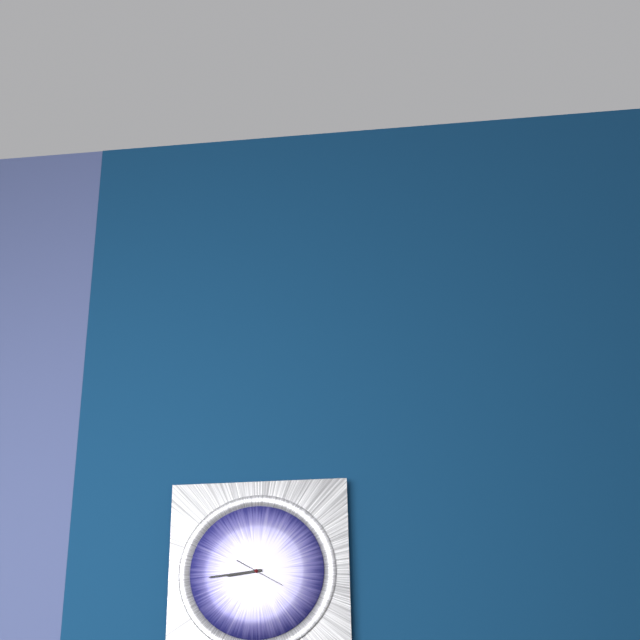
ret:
{"hour": 8, "minute": 44}
